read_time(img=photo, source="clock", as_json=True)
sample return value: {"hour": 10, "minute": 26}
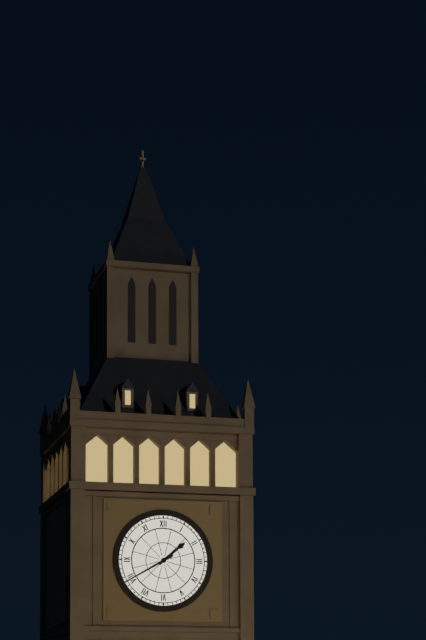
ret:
{"hour": 1, "minute": 40}
